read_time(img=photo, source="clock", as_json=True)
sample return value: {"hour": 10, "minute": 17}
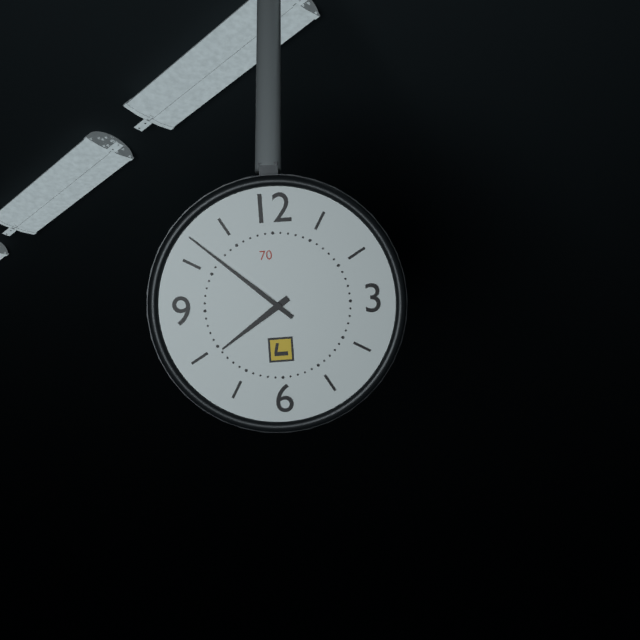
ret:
{"hour": 7, "minute": 52}
